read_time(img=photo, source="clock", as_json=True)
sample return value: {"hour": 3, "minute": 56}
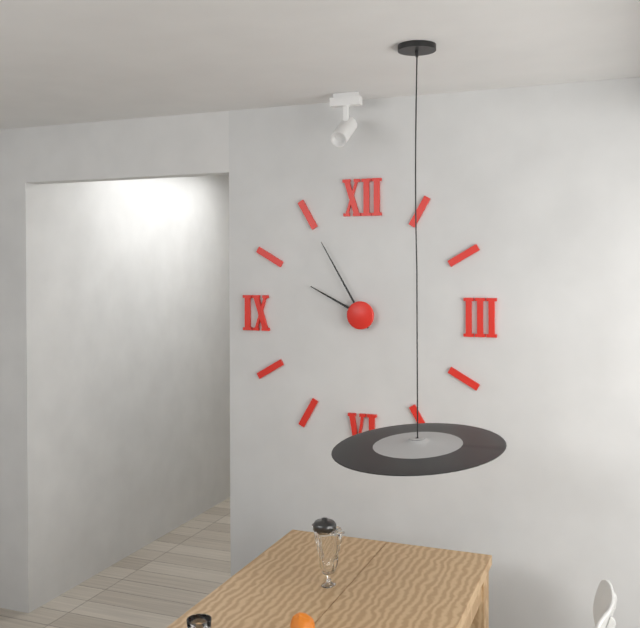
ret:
{"hour": 9, "minute": 55}
